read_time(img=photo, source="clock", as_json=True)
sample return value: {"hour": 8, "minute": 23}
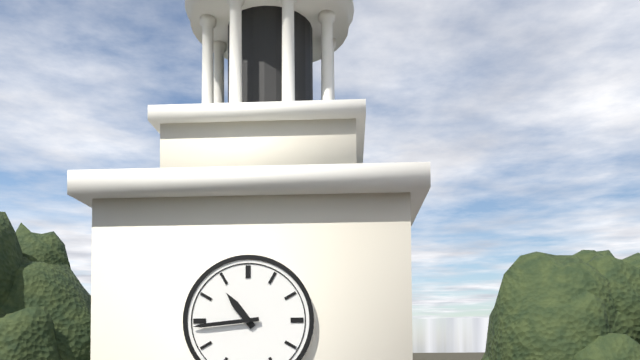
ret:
{"hour": 10, "minute": 44}
